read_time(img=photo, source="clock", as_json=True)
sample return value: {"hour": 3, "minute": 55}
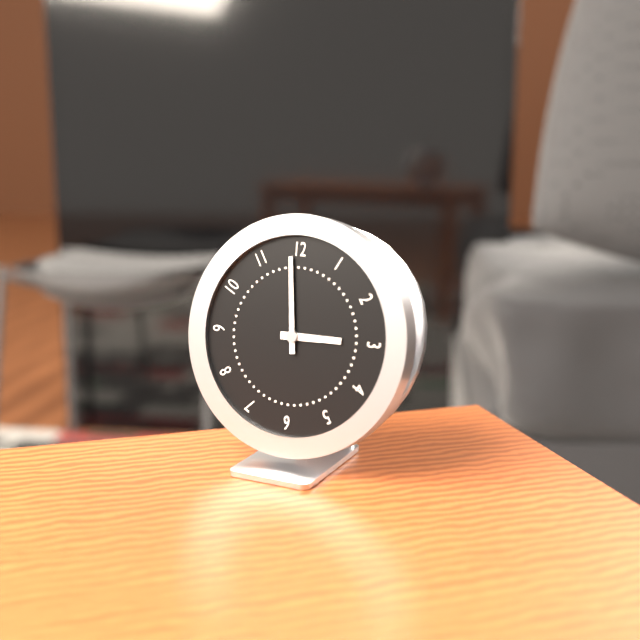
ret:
{"hour": 2, "minute": 59}
